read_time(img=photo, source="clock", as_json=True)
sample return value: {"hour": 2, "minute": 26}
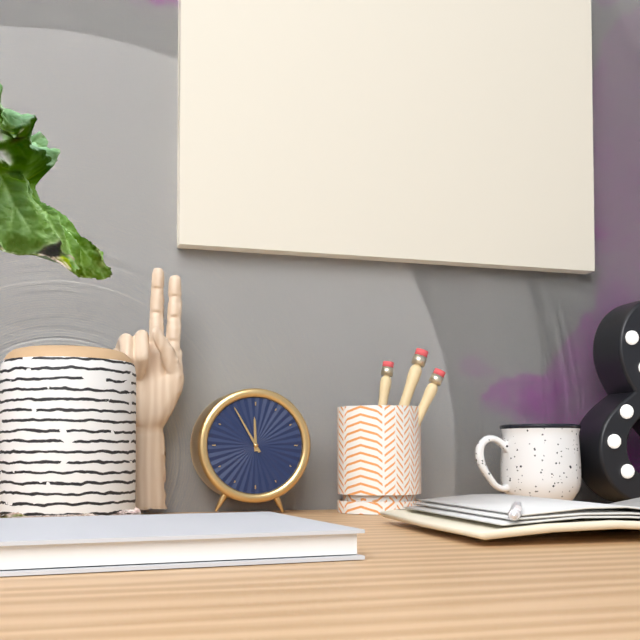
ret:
{"hour": 11, "minute": 55}
